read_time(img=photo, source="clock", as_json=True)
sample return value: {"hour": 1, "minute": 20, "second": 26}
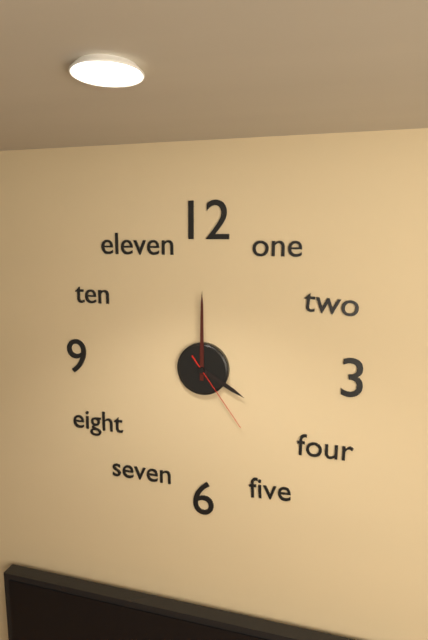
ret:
{"hour": 4, "minute": 0, "second": 24}
